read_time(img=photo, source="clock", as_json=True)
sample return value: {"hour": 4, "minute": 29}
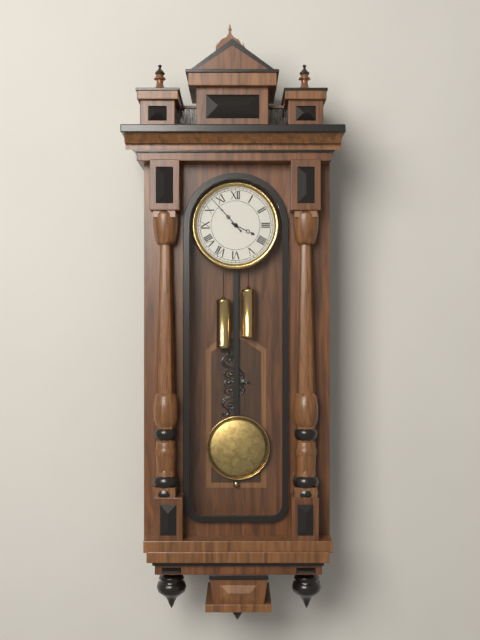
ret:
{"hour": 3, "minute": 53}
